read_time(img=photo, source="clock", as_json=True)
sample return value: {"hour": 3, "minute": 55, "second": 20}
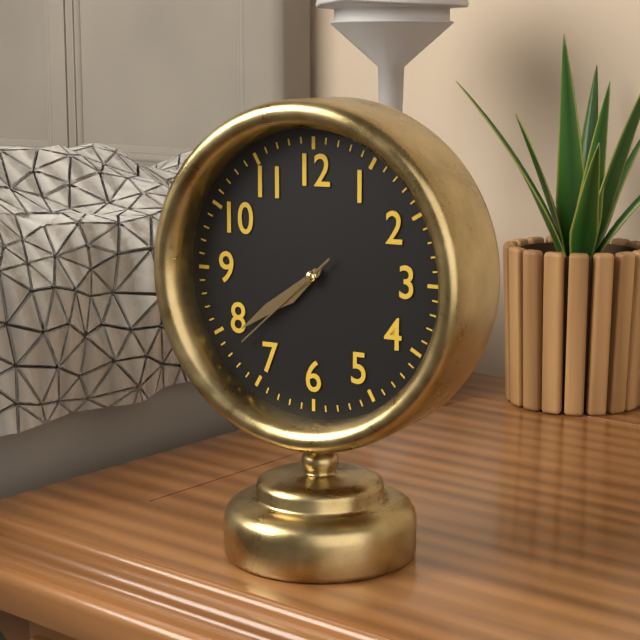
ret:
{"hour": 7, "minute": 39, "second": 38}
